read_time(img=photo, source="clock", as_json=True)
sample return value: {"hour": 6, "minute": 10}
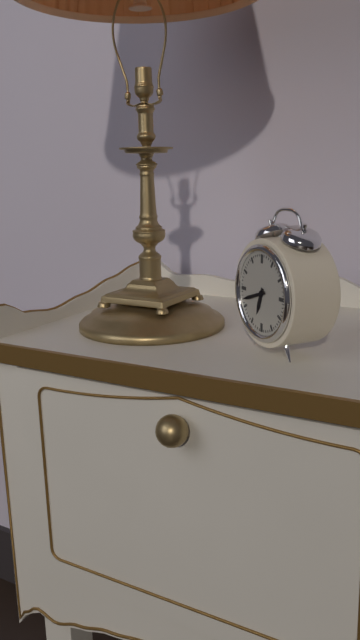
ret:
{"hour": 6, "minute": 42}
